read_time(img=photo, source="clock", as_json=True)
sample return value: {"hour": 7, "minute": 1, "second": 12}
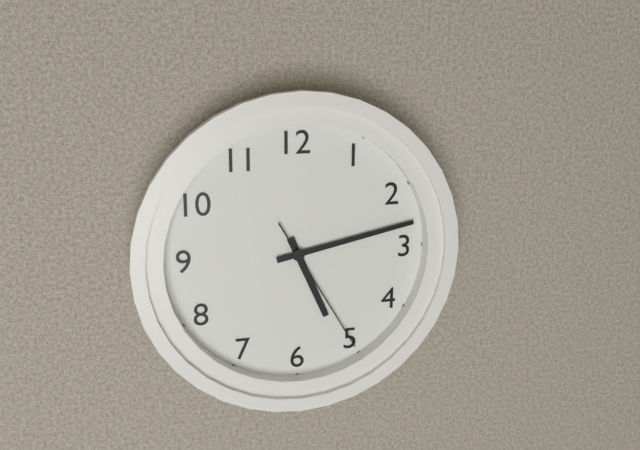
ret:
{"hour": 5, "minute": 13, "second": 25}
